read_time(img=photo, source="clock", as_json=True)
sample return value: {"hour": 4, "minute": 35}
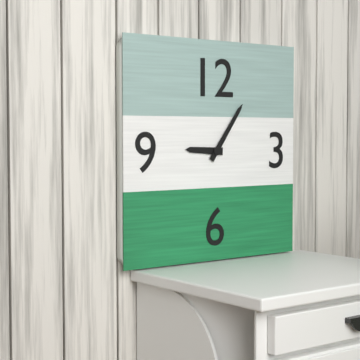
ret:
{"hour": 9, "minute": 6}
